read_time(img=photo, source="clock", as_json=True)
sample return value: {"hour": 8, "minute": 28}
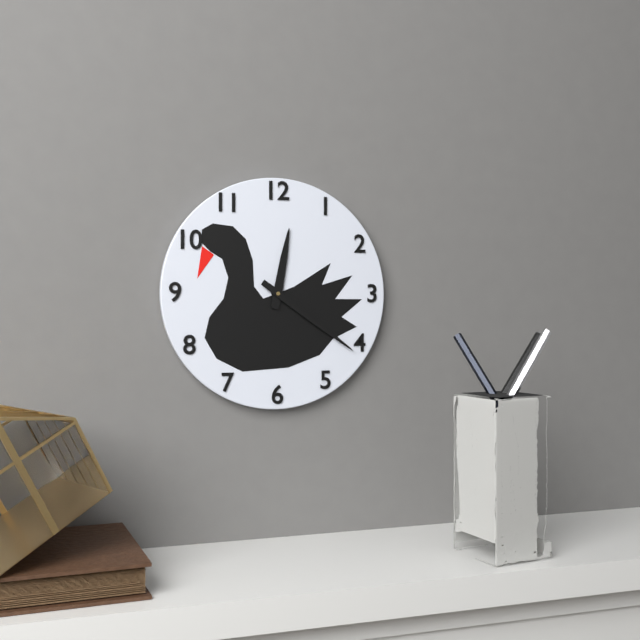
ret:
{"hour": 12, "minute": 21}
